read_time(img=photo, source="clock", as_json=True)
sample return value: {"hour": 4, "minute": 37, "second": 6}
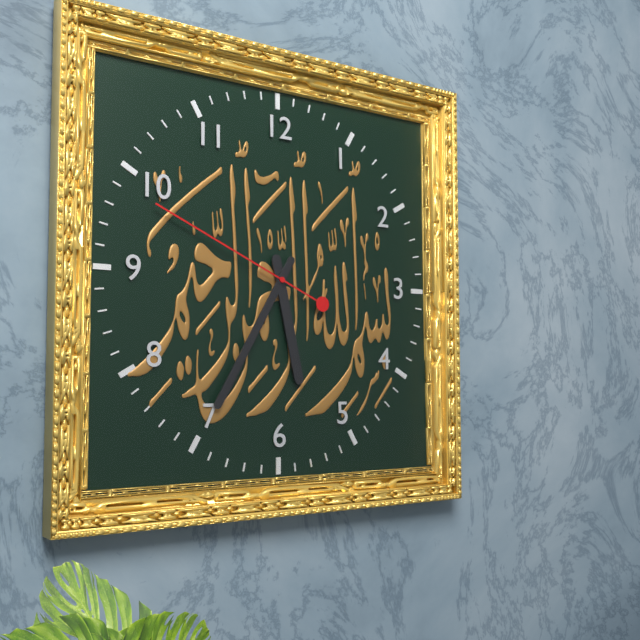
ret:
{"hour": 5, "minute": 35, "second": 49}
